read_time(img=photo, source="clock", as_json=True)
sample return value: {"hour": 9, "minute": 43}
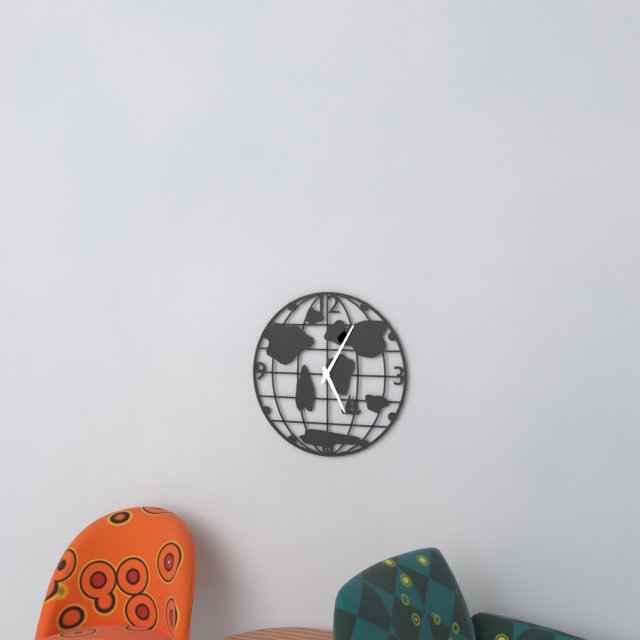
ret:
{"hour": 5, "minute": 5}
